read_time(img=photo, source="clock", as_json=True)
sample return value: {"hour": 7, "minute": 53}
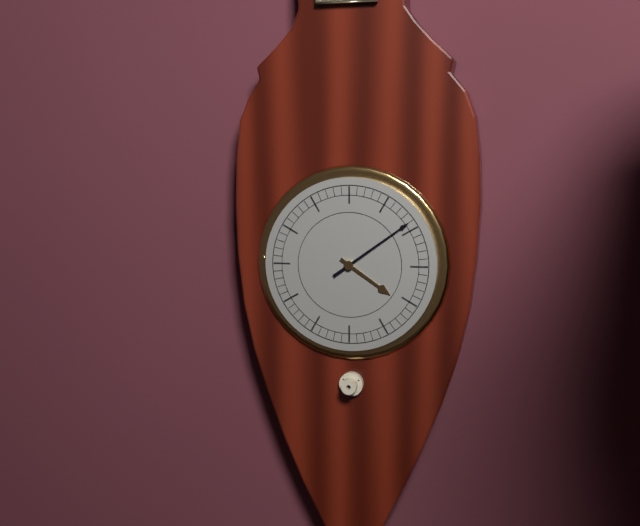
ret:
{"hour": 4, "minute": 9}
